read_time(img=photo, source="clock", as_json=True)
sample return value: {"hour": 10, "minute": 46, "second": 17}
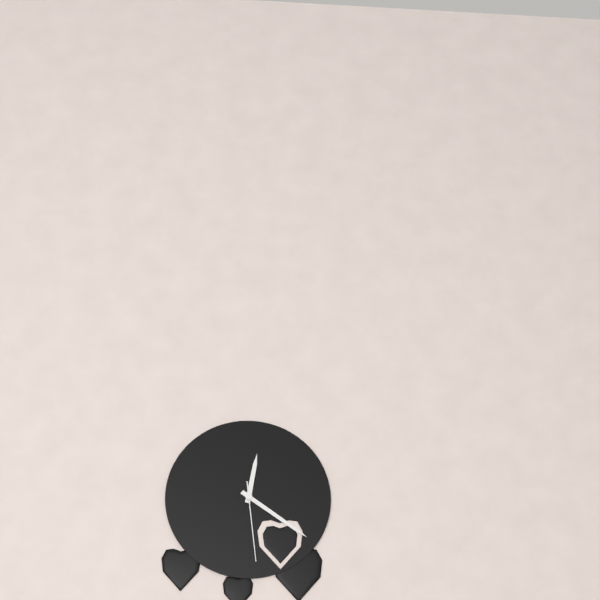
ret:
{"hour": 12, "minute": 21, "second": 29}
